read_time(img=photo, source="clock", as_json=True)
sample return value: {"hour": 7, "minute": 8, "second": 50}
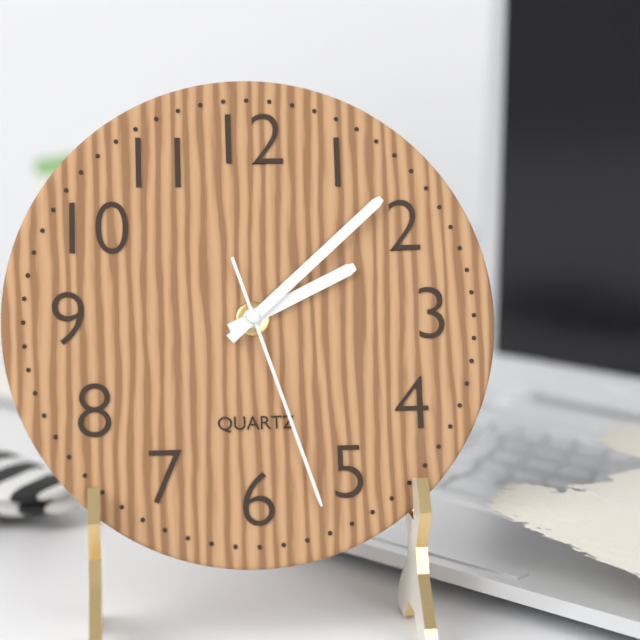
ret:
{"hour": 2, "minute": 8, "second": 27}
